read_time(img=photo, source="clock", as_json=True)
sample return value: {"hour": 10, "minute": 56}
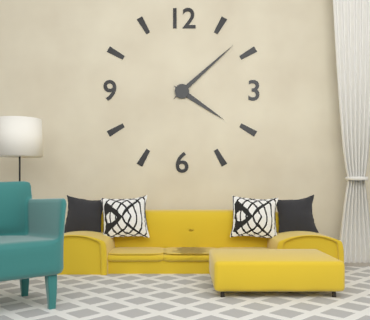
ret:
{"hour": 4, "minute": 8}
